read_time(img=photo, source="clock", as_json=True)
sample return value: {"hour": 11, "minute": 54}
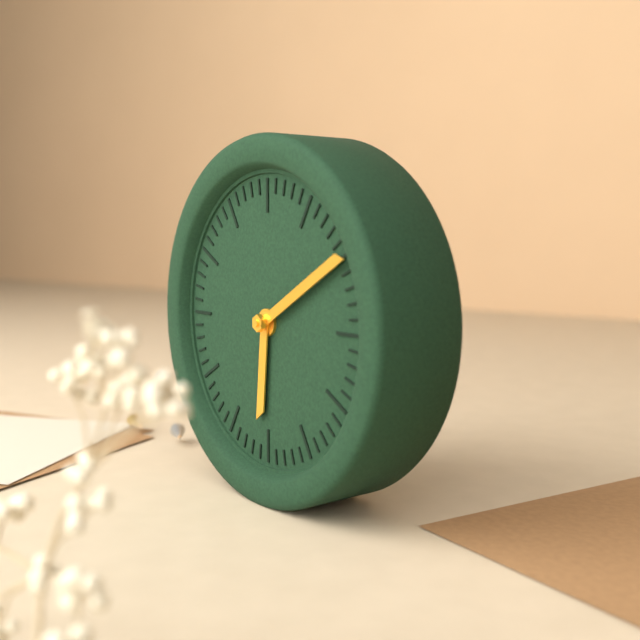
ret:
{"hour": 6, "minute": 10}
